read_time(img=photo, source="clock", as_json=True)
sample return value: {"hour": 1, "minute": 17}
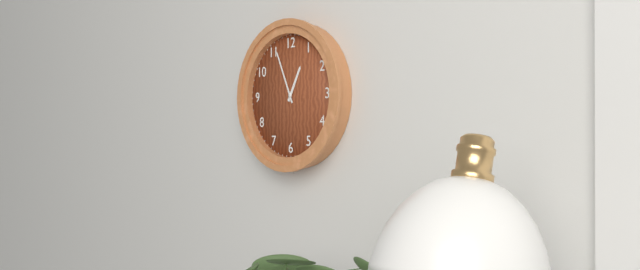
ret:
{"hour": 12, "minute": 56}
